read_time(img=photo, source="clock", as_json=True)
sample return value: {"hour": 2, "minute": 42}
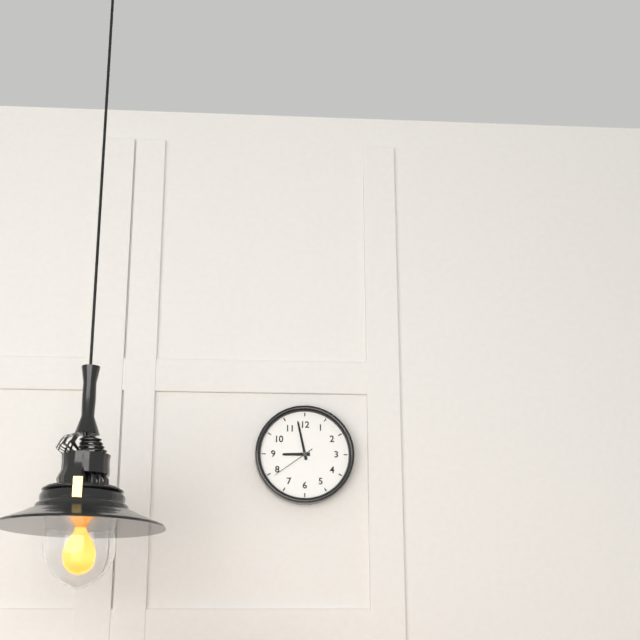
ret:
{"hour": 8, "minute": 58}
